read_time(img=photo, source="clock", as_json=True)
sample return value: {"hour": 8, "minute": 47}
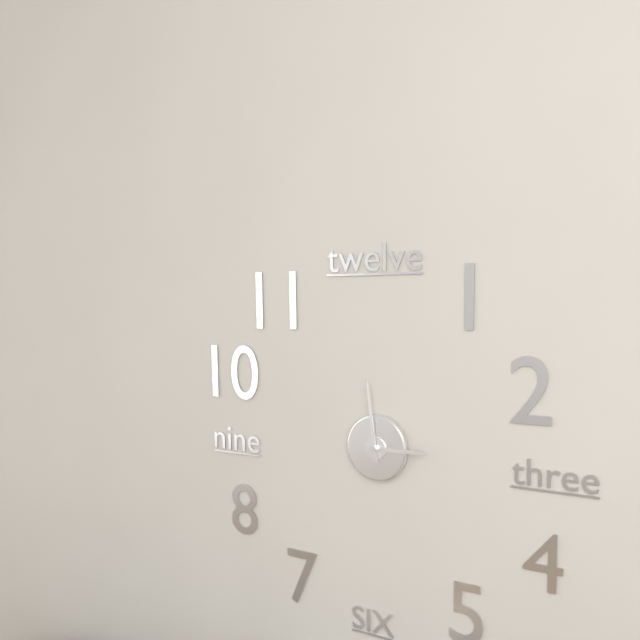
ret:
{"hour": 2, "minute": 59}
